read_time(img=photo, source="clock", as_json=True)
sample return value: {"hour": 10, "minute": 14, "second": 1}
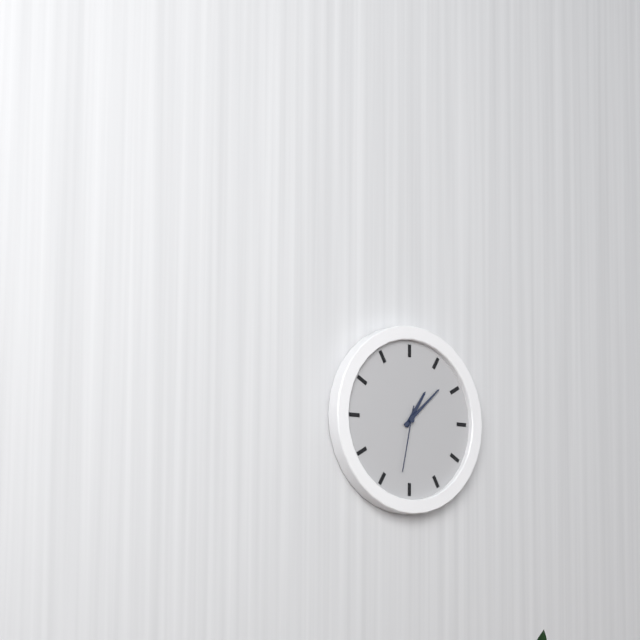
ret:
{"hour": 1, "minute": 8, "second": 32}
